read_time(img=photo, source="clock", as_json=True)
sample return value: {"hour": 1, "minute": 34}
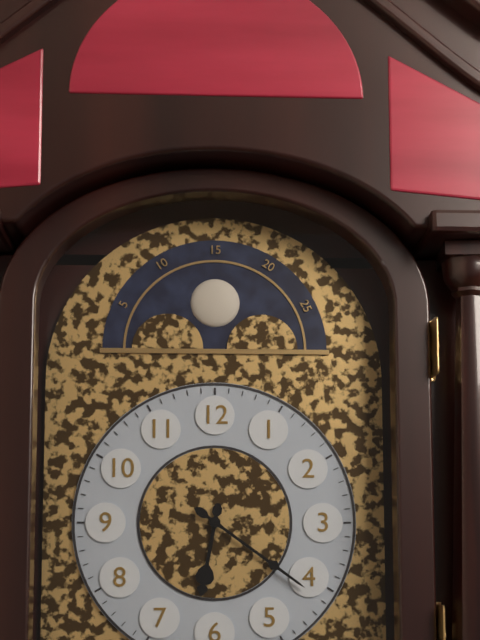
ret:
{"hour": 6, "minute": 21}
